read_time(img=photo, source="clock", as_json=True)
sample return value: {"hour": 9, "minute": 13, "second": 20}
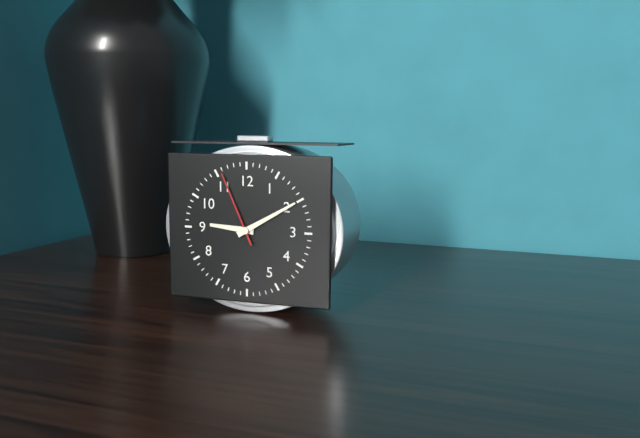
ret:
{"hour": 9, "minute": 10, "second": 56}
